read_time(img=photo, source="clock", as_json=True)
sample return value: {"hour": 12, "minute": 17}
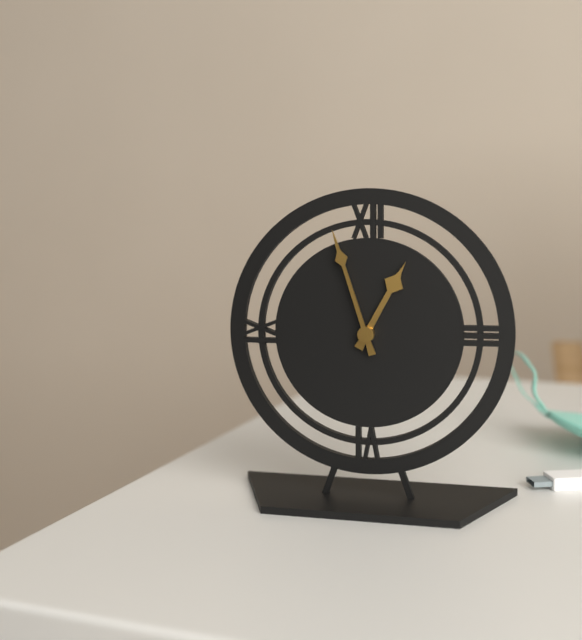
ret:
{"hour": 12, "minute": 57}
